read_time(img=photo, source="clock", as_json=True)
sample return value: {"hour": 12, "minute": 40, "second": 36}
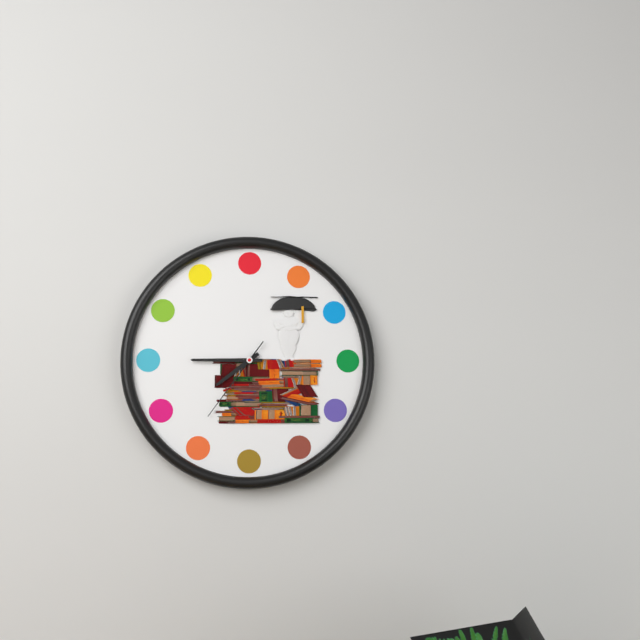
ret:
{"hour": 7, "minute": 45, "second": 36}
